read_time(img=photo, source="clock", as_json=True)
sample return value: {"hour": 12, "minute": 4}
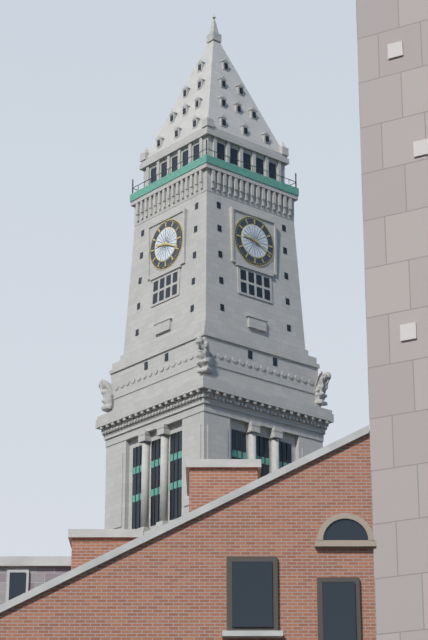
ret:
{"hour": 9, "minute": 19}
